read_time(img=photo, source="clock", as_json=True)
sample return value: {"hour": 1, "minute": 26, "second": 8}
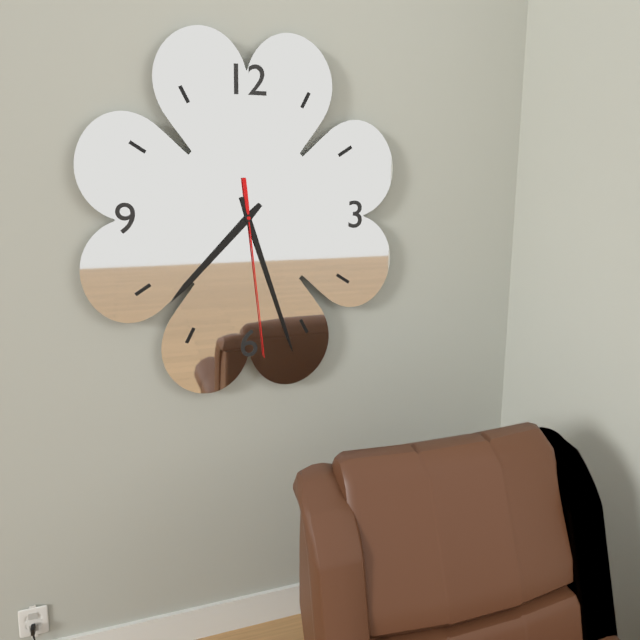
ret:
{"hour": 7, "minute": 27, "second": 29}
